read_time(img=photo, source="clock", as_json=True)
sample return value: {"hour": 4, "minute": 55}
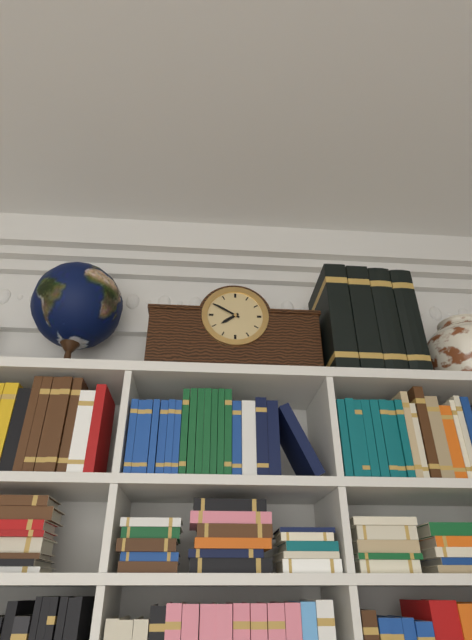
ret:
{"hour": 7, "minute": 50}
